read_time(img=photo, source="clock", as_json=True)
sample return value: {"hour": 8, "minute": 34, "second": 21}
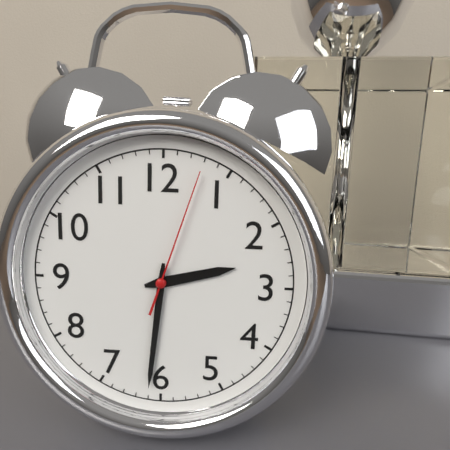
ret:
{"hour": 2, "minute": 31, "second": 3}
